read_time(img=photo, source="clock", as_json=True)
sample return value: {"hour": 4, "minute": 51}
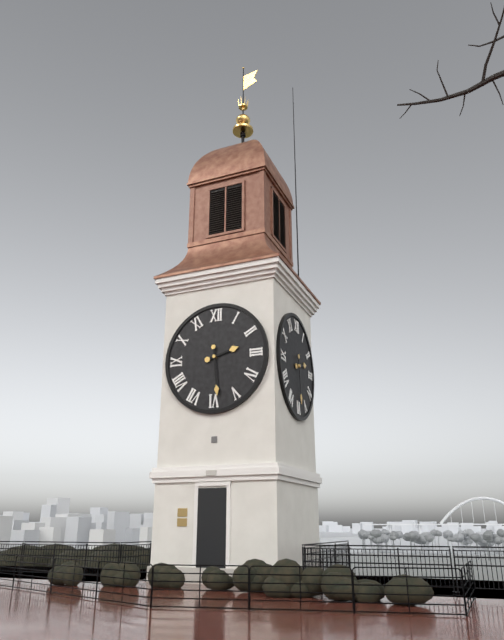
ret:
{"hour": 2, "minute": 29}
